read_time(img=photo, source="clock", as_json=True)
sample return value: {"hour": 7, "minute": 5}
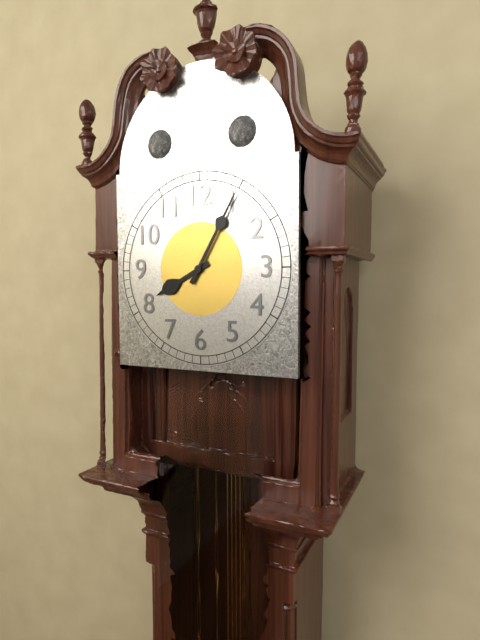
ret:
{"hour": 8, "minute": 5}
